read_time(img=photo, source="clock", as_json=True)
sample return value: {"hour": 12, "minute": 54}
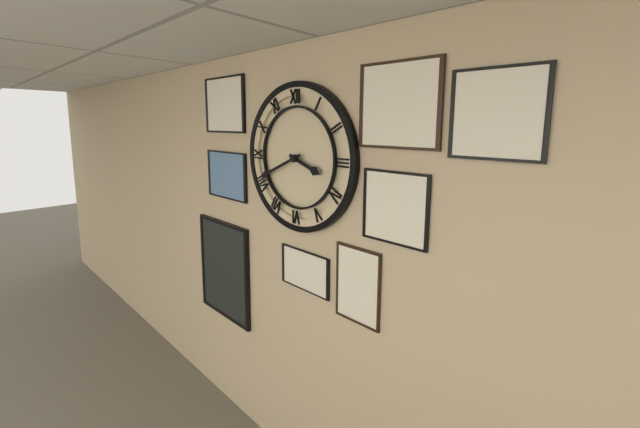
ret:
{"hour": 3, "minute": 41}
